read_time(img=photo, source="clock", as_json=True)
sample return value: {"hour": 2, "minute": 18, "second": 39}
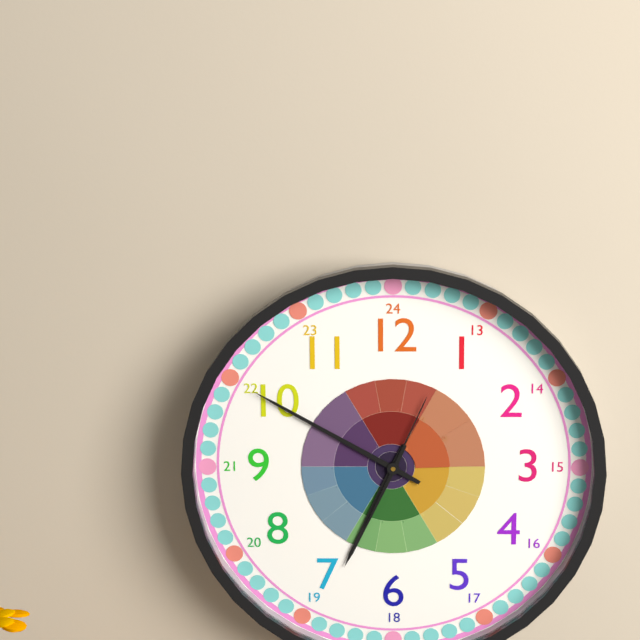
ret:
{"hour": 6, "minute": 50, "second": 4}
